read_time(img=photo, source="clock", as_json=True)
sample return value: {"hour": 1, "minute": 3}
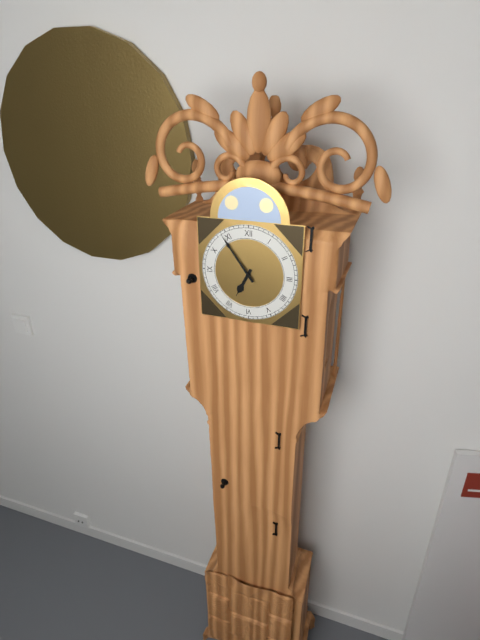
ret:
{"hour": 6, "minute": 54}
